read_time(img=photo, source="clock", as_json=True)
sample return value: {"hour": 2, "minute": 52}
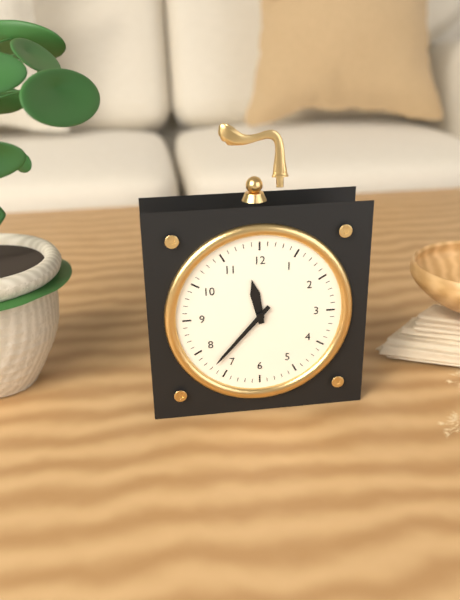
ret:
{"hour": 11, "minute": 37}
